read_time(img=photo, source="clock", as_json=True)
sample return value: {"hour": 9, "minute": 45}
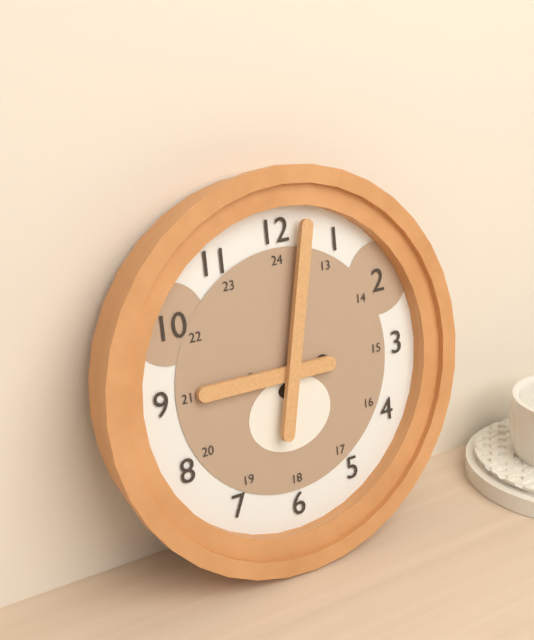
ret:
{"hour": 9, "minute": 2}
